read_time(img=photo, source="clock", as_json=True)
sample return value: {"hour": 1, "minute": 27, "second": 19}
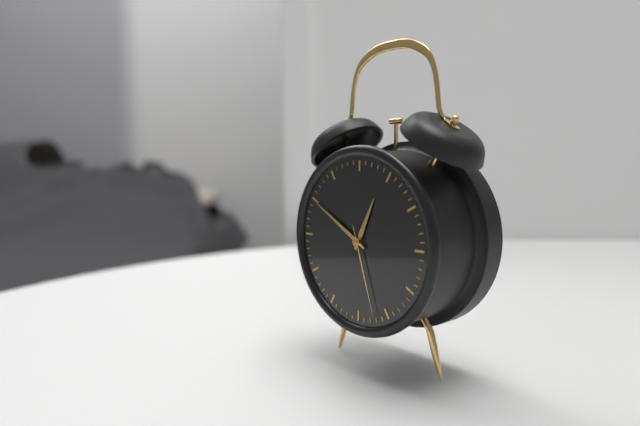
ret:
{"hour": 12, "minute": 50, "second": 27}
